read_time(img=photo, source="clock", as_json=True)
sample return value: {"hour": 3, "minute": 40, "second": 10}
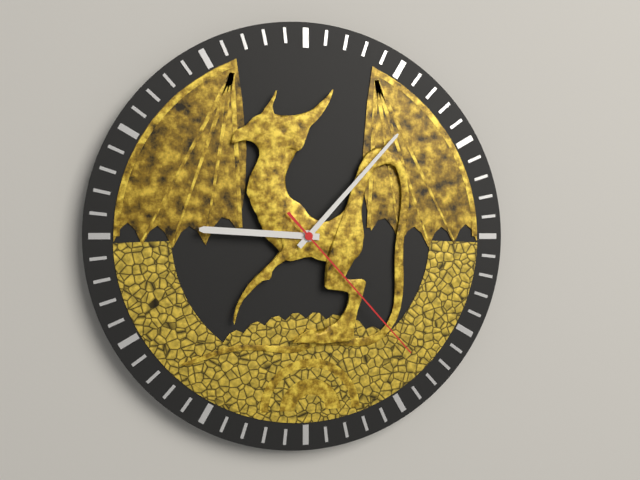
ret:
{"hour": 9, "minute": 7, "second": 23}
